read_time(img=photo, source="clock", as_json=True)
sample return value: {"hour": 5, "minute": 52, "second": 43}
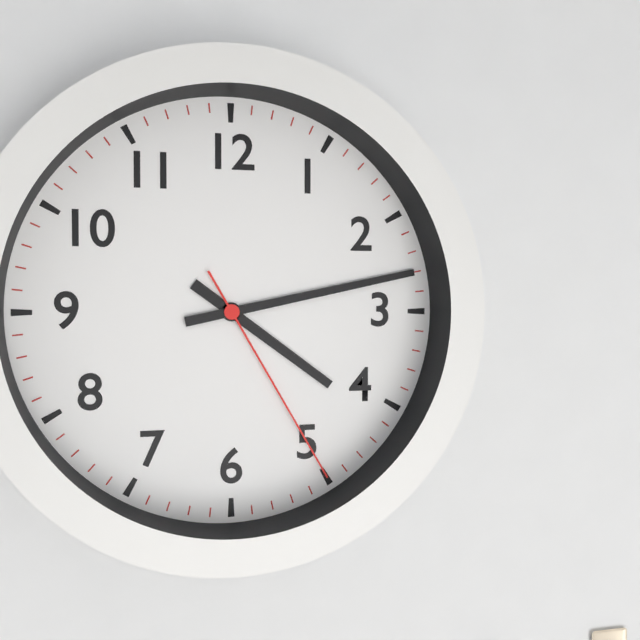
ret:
{"hour": 4, "minute": 13, "second": 25}
